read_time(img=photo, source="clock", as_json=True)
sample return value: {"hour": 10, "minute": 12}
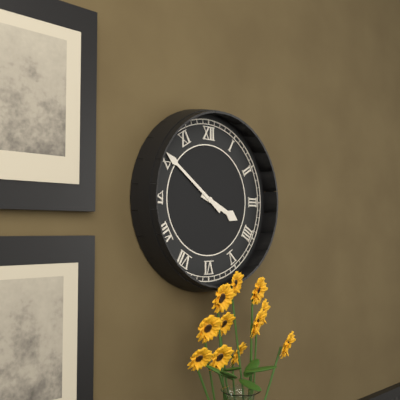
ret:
{"hour": 3, "minute": 51}
